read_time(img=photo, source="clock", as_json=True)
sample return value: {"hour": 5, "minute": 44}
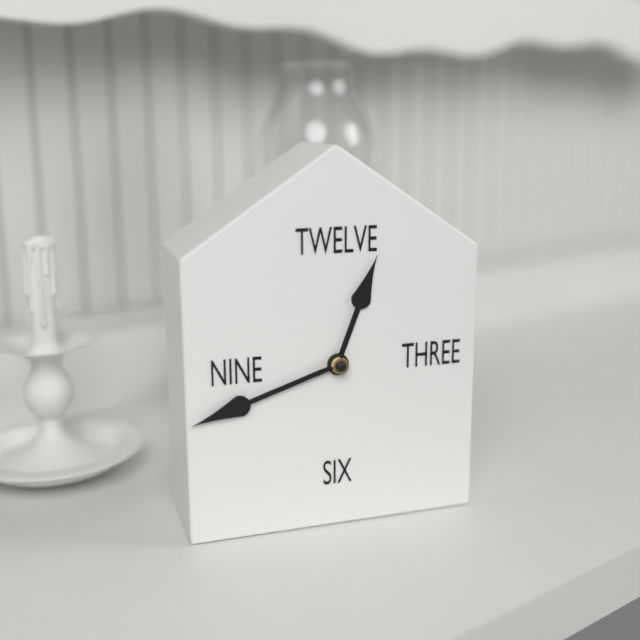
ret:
{"hour": 12, "minute": 42}
